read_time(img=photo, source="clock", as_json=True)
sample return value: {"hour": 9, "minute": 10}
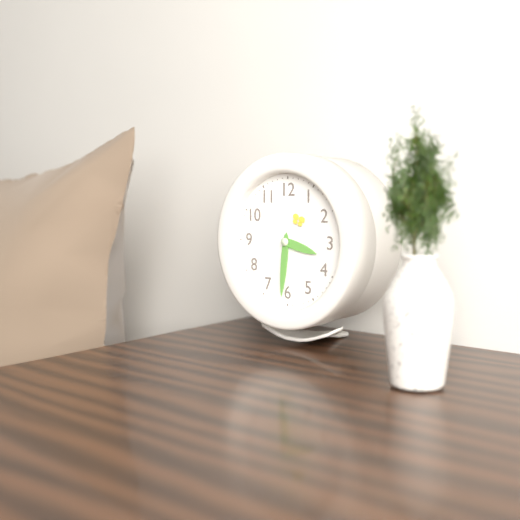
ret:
{"hour": 3, "minute": 31}
